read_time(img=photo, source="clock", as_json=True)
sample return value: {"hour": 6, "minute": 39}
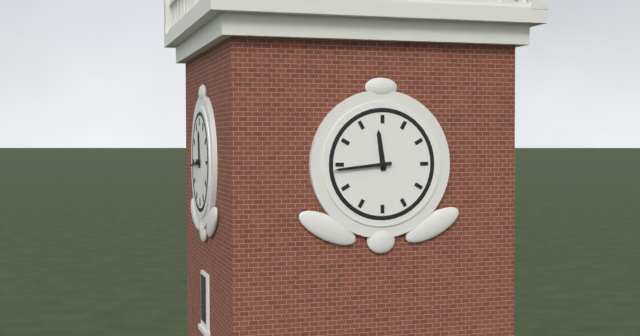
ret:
{"hour": 11, "minute": 44}
